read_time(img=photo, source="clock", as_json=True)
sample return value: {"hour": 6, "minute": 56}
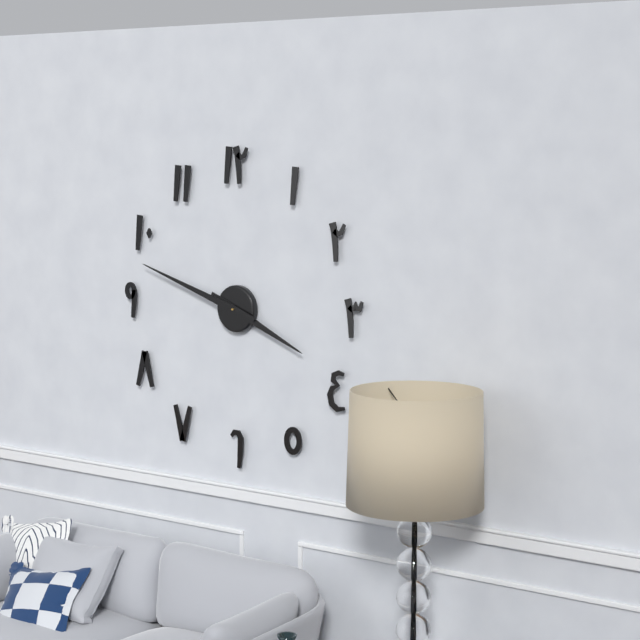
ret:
{"hour": 3, "minute": 48}
